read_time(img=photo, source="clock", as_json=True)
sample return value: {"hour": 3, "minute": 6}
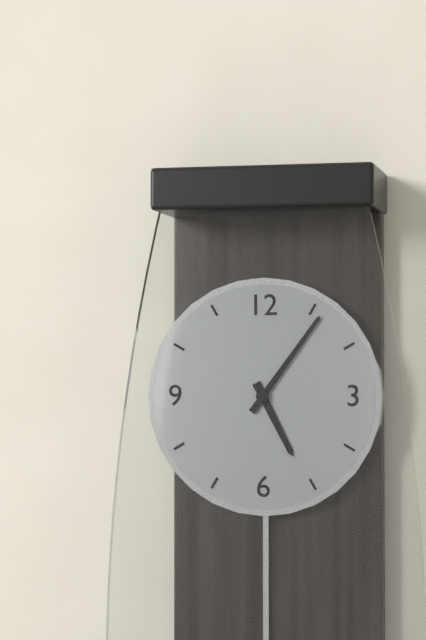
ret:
{"hour": 5, "minute": 6}
